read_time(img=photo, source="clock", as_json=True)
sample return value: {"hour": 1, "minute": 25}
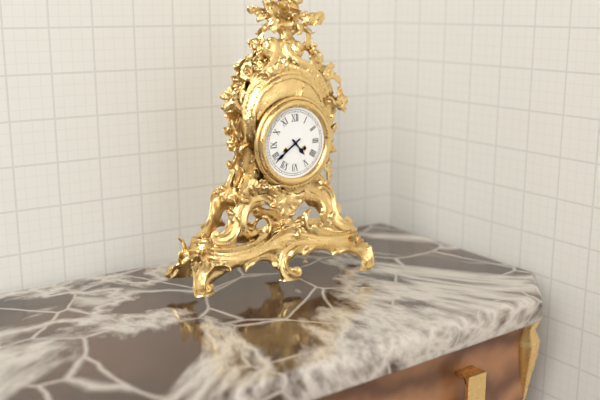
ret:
{"hour": 4, "minute": 39}
